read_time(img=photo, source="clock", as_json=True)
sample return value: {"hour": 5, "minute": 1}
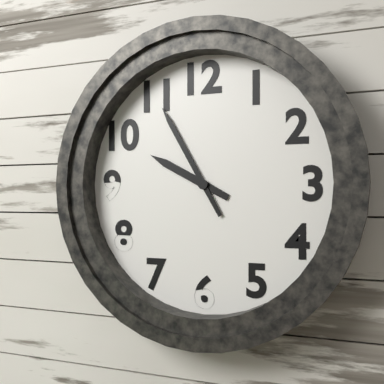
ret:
{"hour": 9, "minute": 55}
